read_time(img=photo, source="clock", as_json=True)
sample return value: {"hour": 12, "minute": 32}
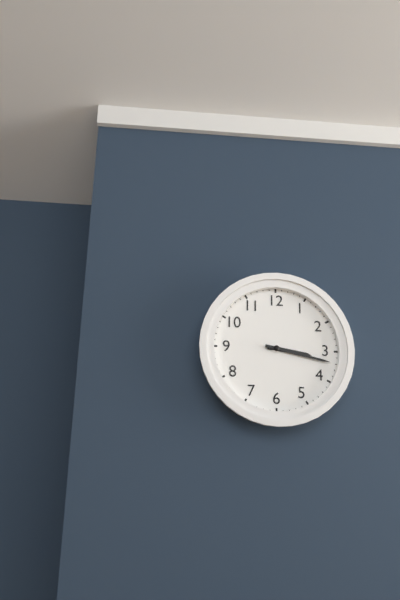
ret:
{"hour": 3, "minute": 17}
